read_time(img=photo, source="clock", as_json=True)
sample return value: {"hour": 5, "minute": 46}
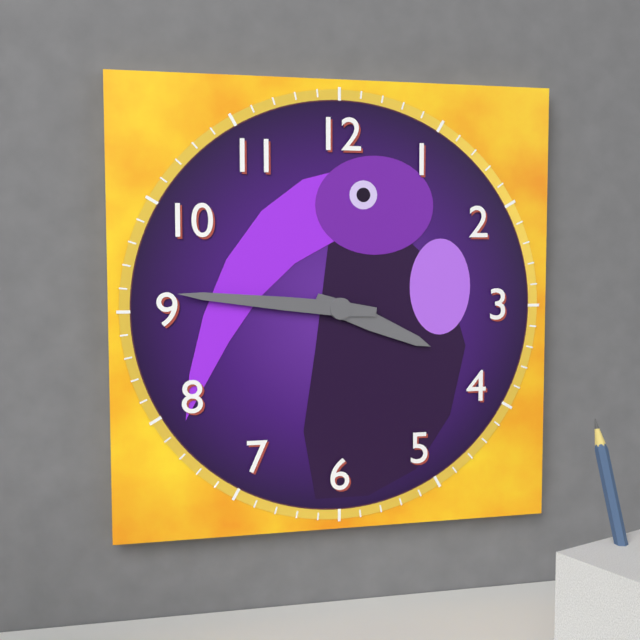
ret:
{"hour": 3, "minute": 46}
